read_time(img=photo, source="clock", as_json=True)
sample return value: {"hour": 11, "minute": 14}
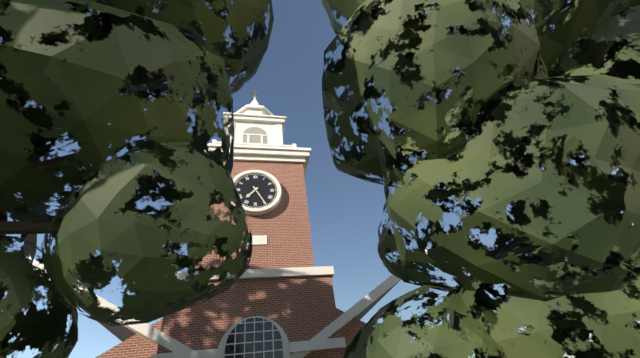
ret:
{"hour": 7, "minute": 25}
